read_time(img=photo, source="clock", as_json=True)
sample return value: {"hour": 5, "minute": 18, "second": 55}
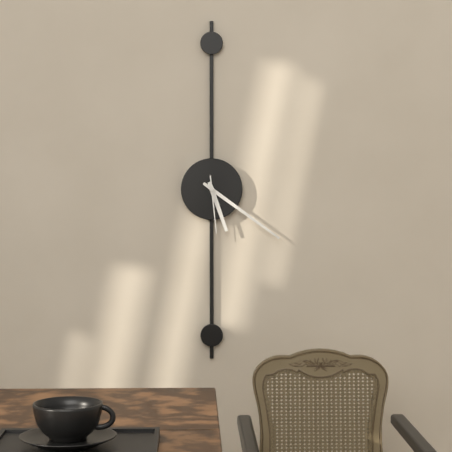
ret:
{"hour": 5, "minute": 21, "second": 29}
